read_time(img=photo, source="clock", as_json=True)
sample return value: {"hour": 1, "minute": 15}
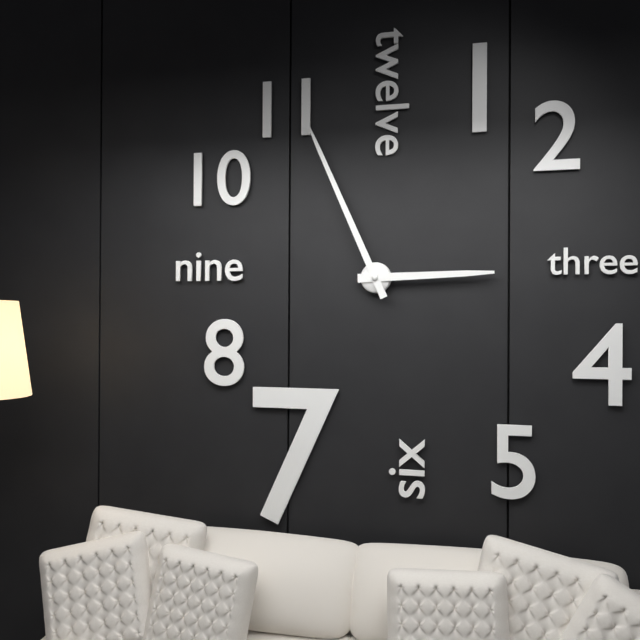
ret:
{"hour": 2, "minute": 56}
